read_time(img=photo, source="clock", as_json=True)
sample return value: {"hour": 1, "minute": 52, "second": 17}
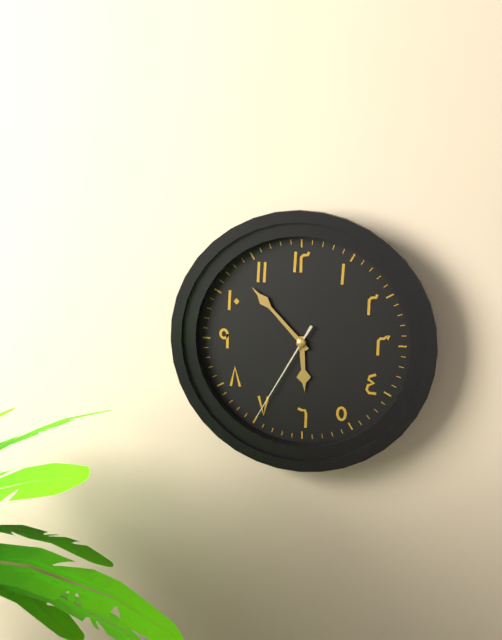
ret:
{"hour": 5, "minute": 53, "second": 35}
